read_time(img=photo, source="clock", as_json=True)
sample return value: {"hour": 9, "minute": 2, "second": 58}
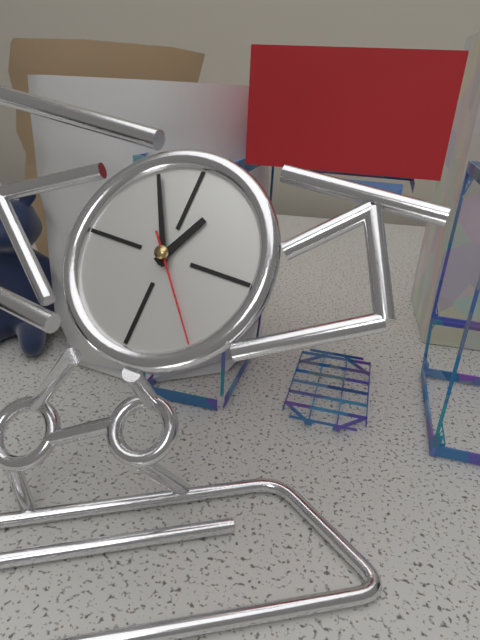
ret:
{"hour": 12, "minute": 55, "second": 23}
